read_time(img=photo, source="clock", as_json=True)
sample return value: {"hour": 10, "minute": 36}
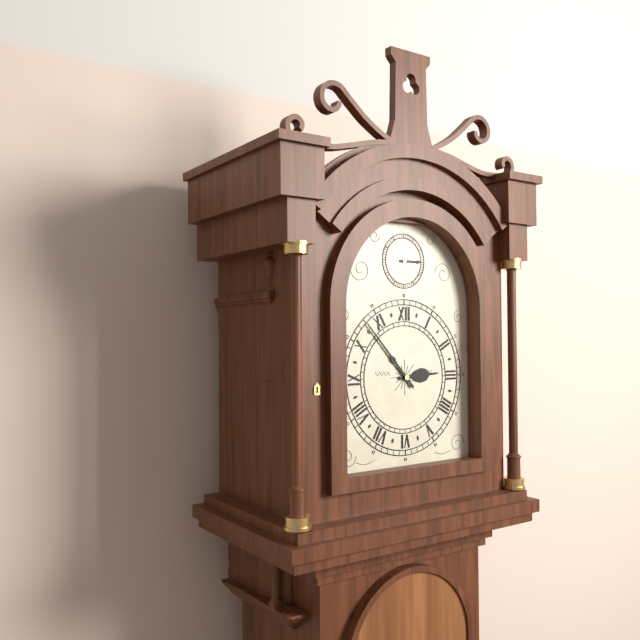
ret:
{"hour": 2, "minute": 53}
